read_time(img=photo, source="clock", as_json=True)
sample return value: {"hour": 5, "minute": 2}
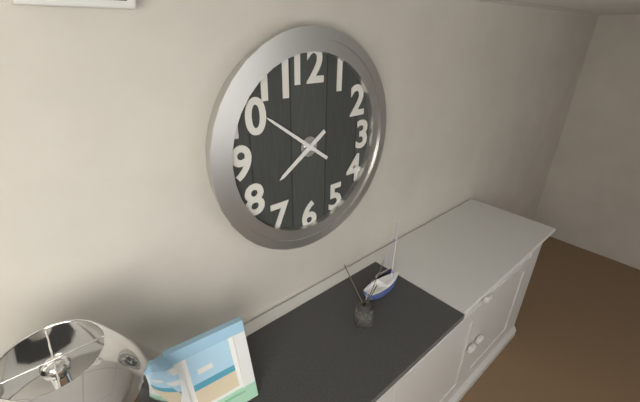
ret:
{"hour": 7, "minute": 51}
